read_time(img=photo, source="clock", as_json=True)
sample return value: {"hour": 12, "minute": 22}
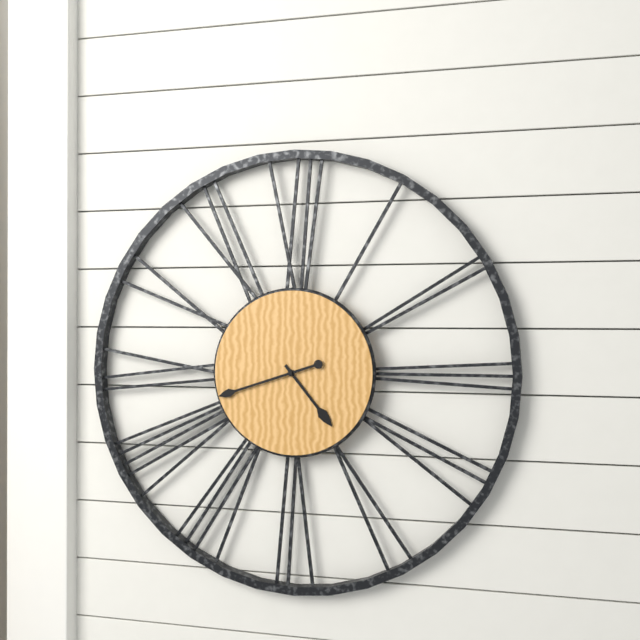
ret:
{"hour": 4, "minute": 42}
